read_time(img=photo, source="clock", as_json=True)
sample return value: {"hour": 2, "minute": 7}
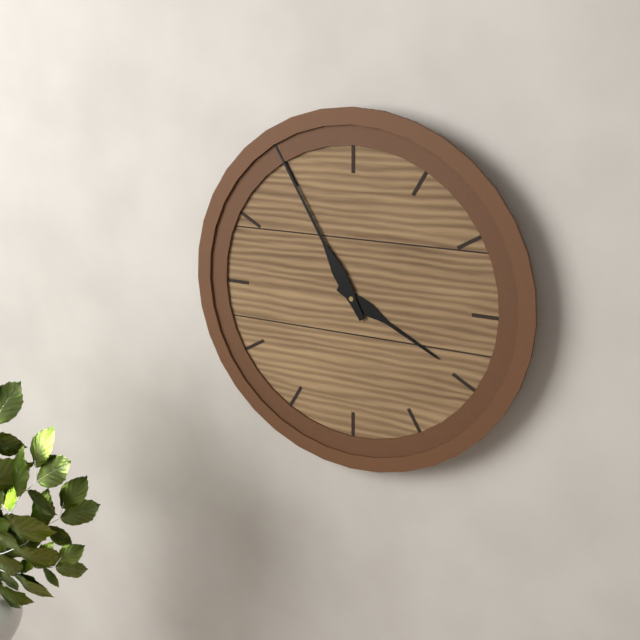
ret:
{"hour": 3, "minute": 55}
